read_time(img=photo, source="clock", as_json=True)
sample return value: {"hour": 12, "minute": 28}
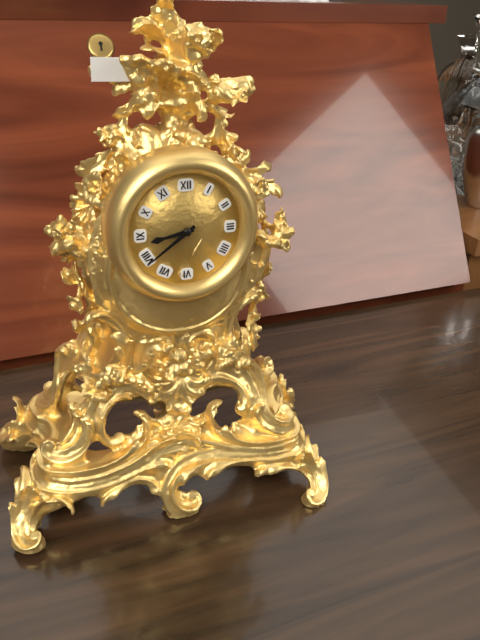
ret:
{"hour": 8, "minute": 39}
